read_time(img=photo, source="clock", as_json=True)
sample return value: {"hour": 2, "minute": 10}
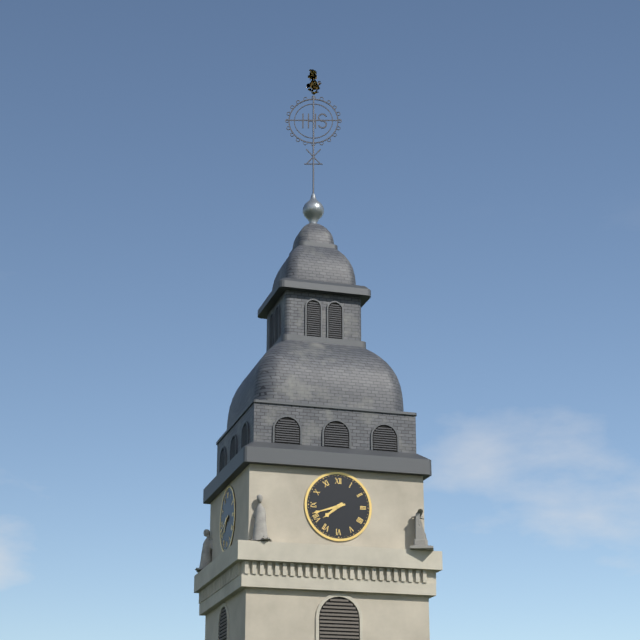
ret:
{"hour": 7, "minute": 42}
